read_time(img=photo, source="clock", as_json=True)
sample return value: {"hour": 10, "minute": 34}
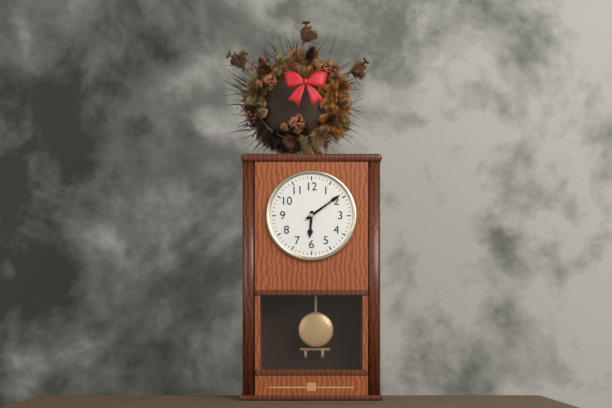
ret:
{"hour": 6, "minute": 9}
